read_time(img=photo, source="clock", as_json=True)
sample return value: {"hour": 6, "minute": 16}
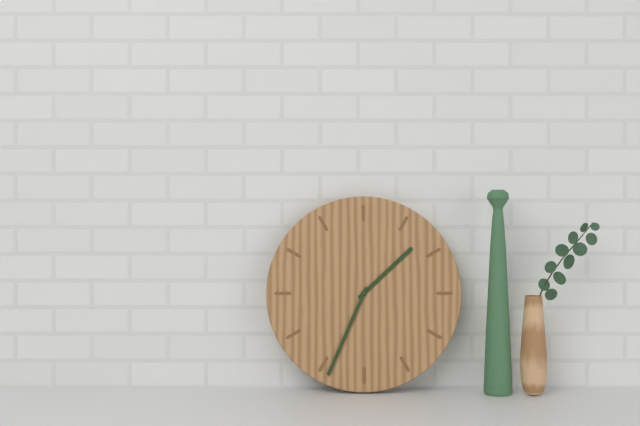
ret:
{"hour": 1, "minute": 34}
